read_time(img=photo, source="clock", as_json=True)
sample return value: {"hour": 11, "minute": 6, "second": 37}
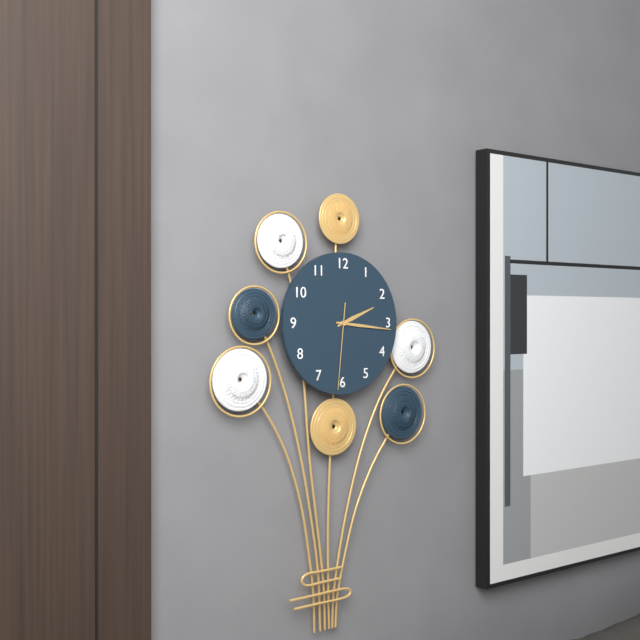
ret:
{"hour": 2, "minute": 16, "second": 31}
